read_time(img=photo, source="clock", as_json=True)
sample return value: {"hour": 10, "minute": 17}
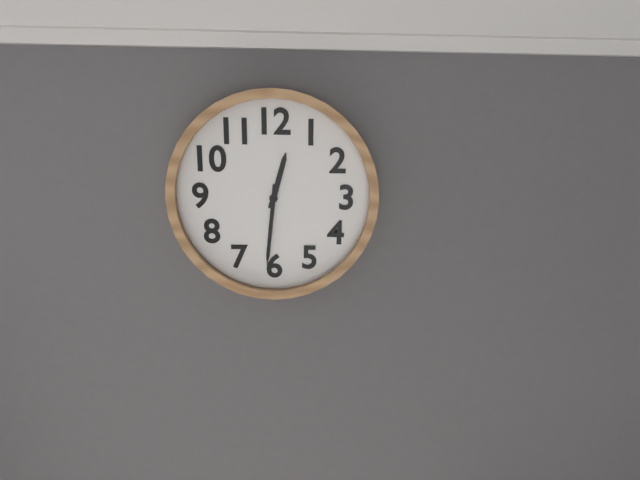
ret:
{"hour": 12, "minute": 31}
